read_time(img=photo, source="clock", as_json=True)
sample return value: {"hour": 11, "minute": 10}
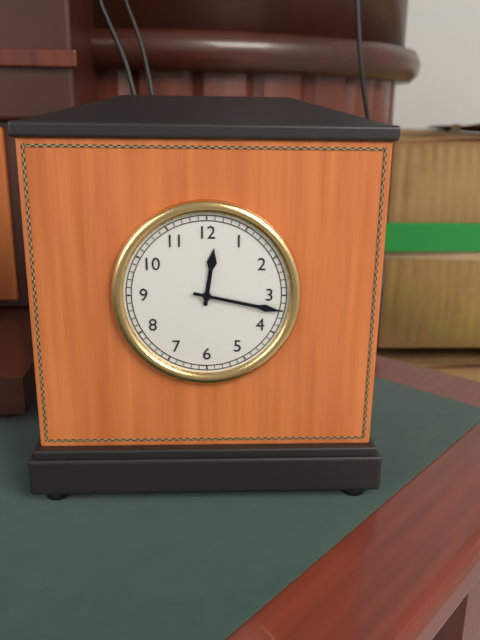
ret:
{"hour": 12, "minute": 17}
